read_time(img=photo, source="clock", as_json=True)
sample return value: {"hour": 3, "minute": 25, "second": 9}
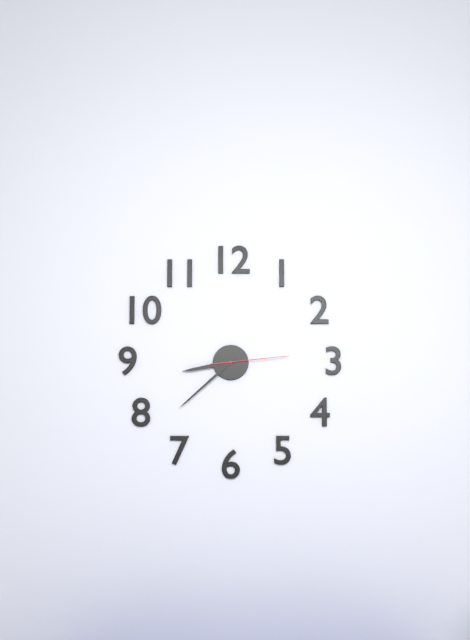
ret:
{"hour": 8, "minute": 38, "second": 14}
